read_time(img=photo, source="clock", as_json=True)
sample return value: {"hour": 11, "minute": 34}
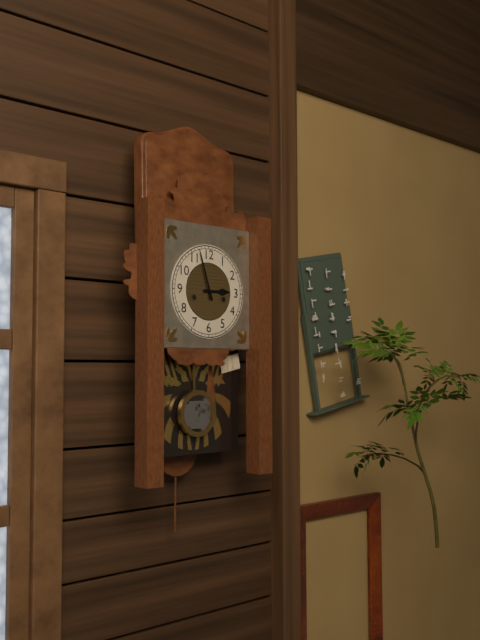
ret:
{"hour": 2, "minute": 57}
